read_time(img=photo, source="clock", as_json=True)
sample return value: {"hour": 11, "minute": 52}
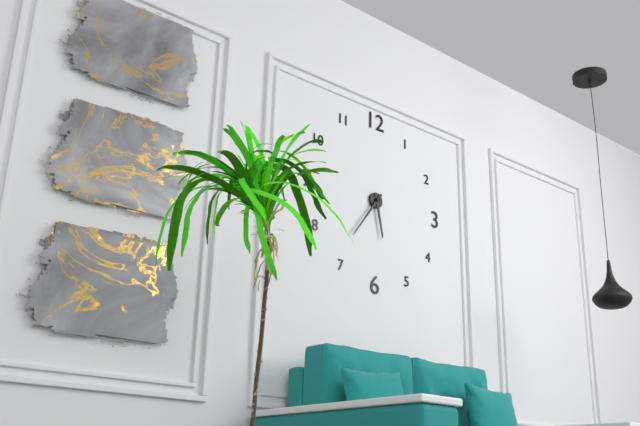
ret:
{"hour": 5, "minute": 36}
